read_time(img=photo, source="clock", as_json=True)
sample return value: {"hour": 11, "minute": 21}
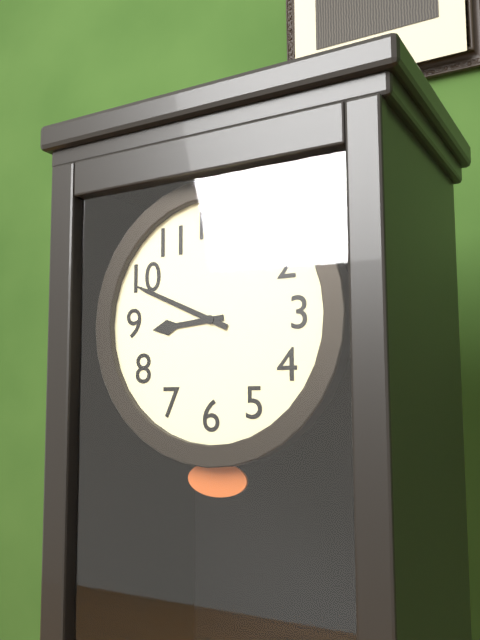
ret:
{"hour": 8, "minute": 49}
